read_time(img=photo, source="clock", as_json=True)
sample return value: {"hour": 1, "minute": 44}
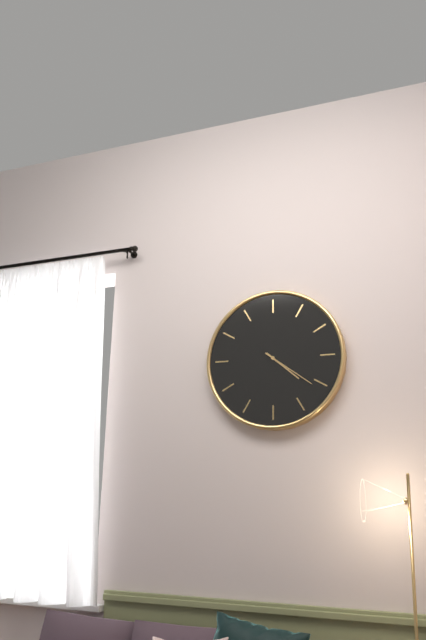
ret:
{"hour": 4, "minute": 21}
